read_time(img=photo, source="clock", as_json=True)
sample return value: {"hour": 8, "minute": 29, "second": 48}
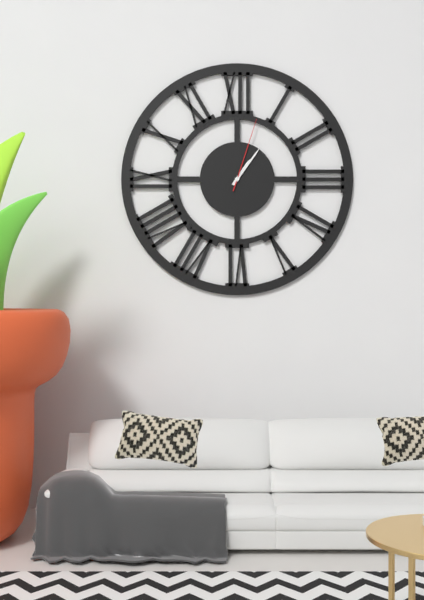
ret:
{"hour": 1, "minute": 6, "second": 3}
